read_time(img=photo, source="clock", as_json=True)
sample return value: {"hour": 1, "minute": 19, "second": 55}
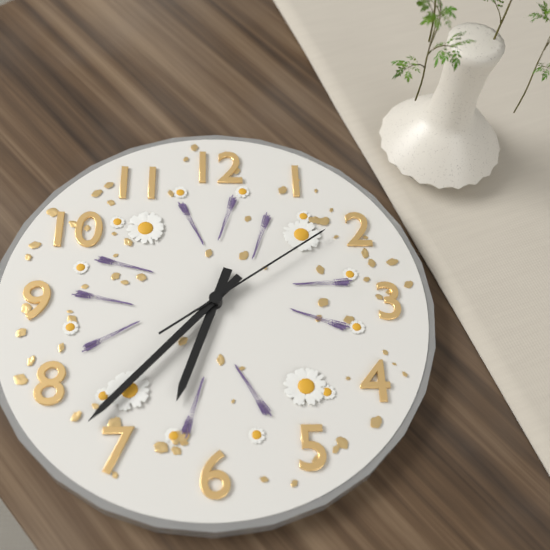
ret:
{"hour": 6, "minute": 37, "second": 9}
